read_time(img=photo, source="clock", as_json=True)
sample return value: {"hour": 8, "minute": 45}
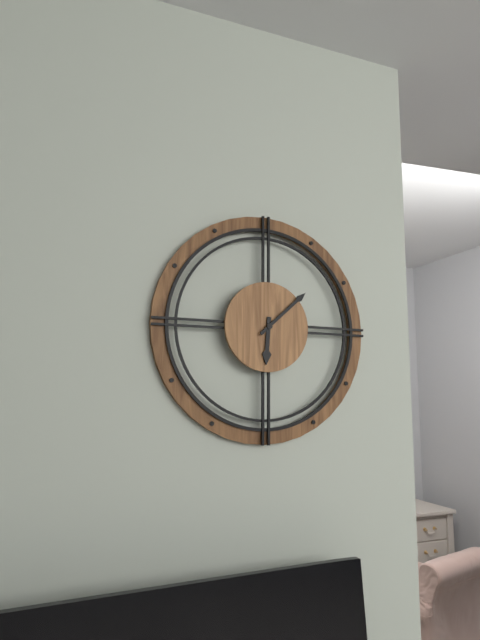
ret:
{"hour": 6, "minute": 8}
